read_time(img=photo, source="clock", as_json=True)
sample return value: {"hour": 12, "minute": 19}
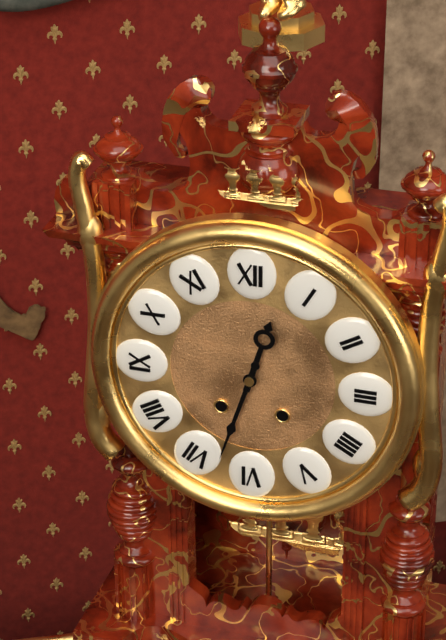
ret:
{"hour": 12, "minute": 33}
